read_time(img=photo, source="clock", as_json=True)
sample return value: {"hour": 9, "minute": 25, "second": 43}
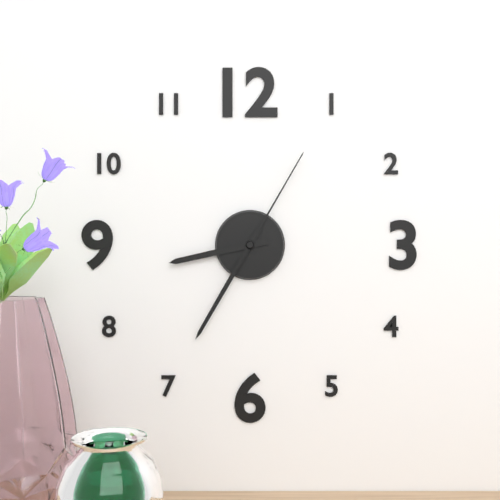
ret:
{"hour": 8, "minute": 35, "second": 5}
